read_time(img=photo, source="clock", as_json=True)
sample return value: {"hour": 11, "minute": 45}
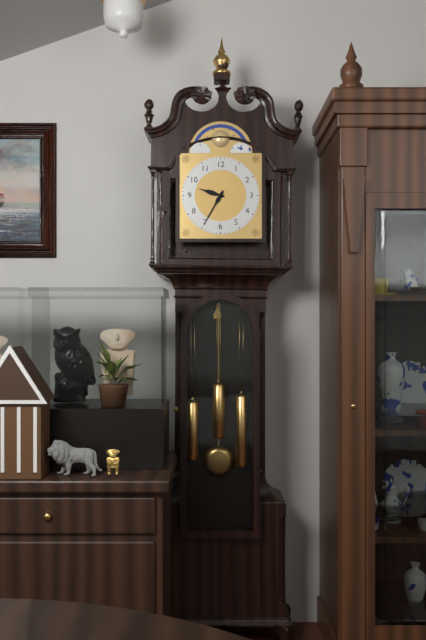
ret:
{"hour": 9, "minute": 35}
